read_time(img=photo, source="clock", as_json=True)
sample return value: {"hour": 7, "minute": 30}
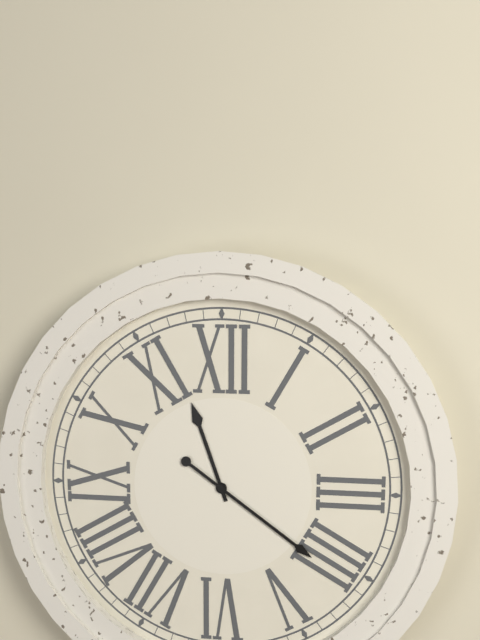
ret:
{"hour": 11, "minute": 21}
